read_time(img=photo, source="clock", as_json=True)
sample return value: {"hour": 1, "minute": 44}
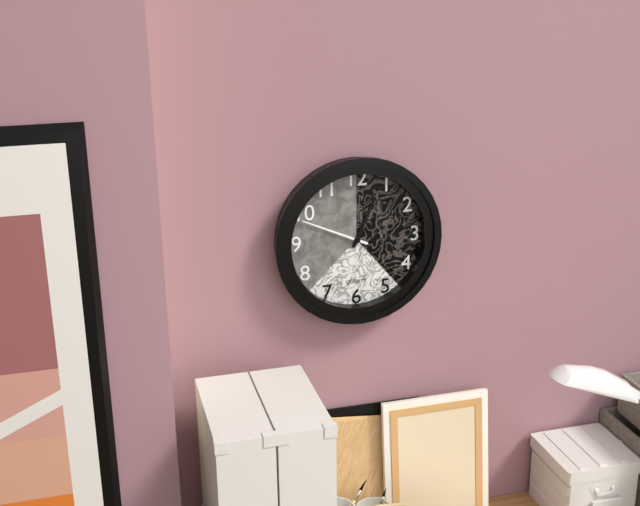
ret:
{"hour": 12, "minute": 49}
